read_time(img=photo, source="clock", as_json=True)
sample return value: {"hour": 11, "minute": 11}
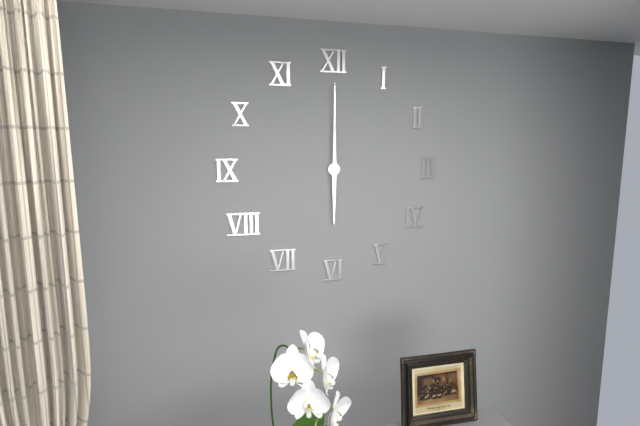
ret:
{"hour": 6, "minute": 0}
